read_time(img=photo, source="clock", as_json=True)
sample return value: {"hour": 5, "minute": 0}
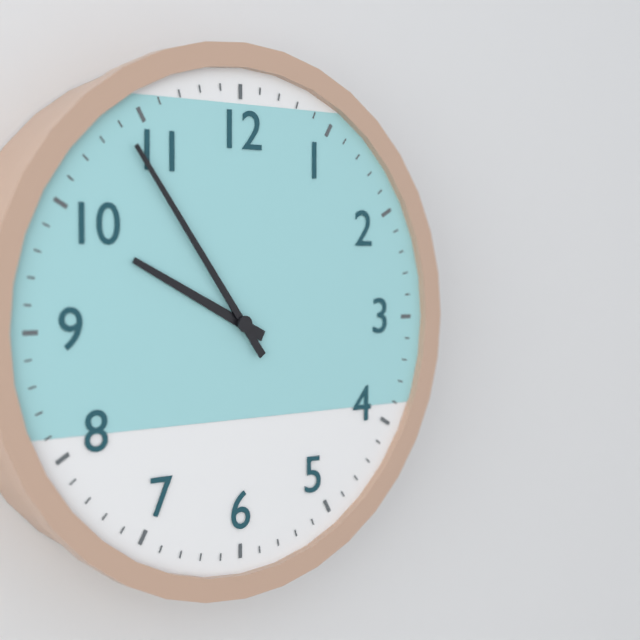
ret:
{"hour": 9, "minute": 54}
